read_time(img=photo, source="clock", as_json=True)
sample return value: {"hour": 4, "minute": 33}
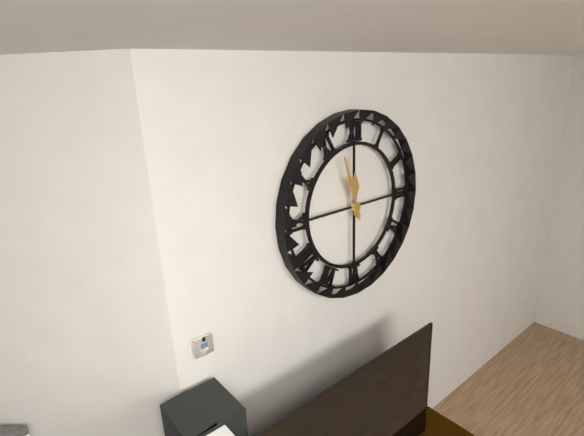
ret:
{"hour": 11, "minute": 57}
